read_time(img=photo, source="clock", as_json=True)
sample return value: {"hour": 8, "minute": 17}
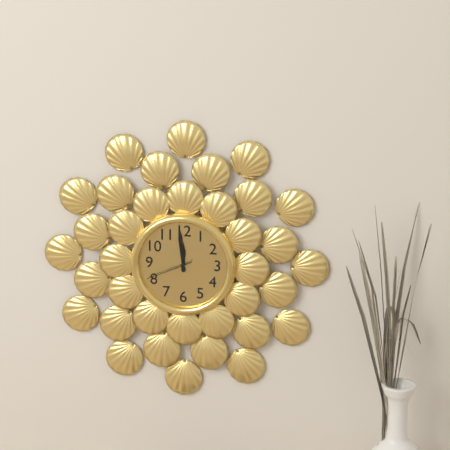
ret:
{"hour": 11, "minute": 59}
